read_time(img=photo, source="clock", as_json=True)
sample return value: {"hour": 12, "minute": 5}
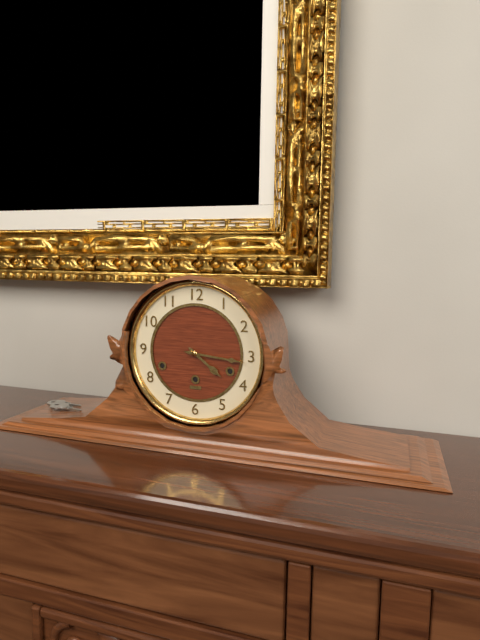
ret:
{"hour": 4, "minute": 16}
